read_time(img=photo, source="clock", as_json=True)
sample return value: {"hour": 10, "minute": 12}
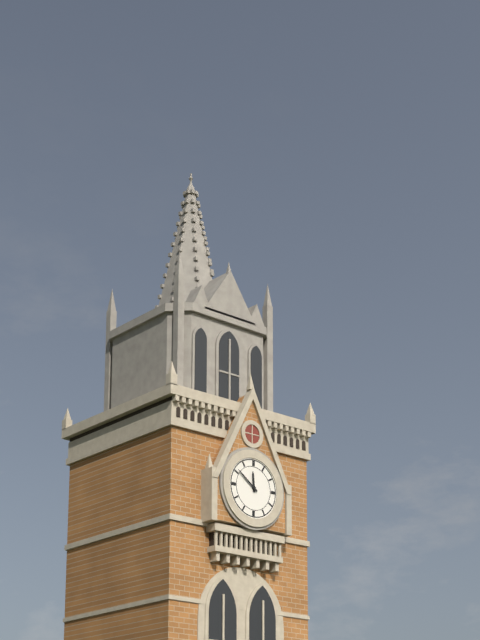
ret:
{"hour": 11, "minute": 51}
